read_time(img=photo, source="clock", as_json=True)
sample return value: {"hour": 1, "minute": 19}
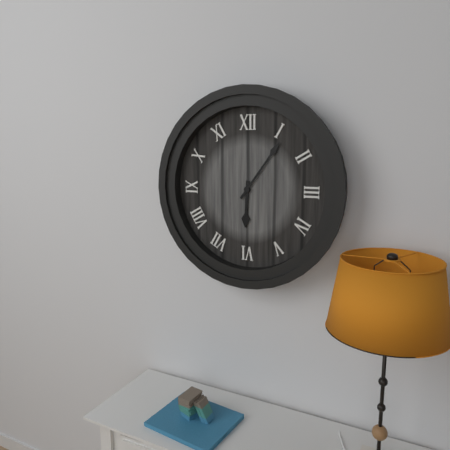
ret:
{"hour": 6, "minute": 6}
